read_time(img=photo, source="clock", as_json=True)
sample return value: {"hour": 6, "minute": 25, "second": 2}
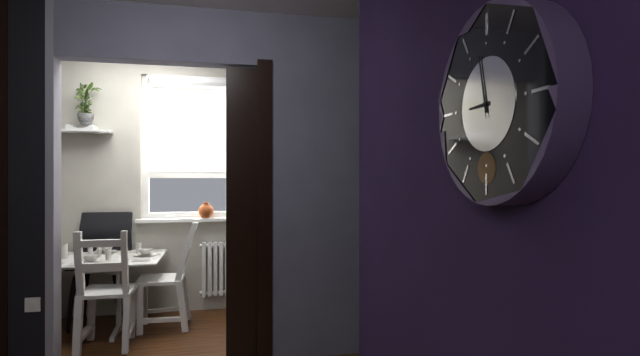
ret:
{"hour": 8, "minute": 58, "second": 58}
